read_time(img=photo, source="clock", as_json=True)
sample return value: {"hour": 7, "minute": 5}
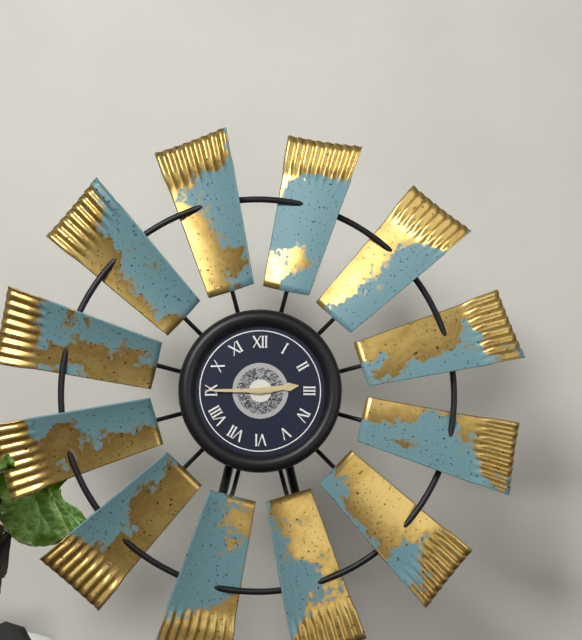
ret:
{"hour": 2, "minute": 45}
